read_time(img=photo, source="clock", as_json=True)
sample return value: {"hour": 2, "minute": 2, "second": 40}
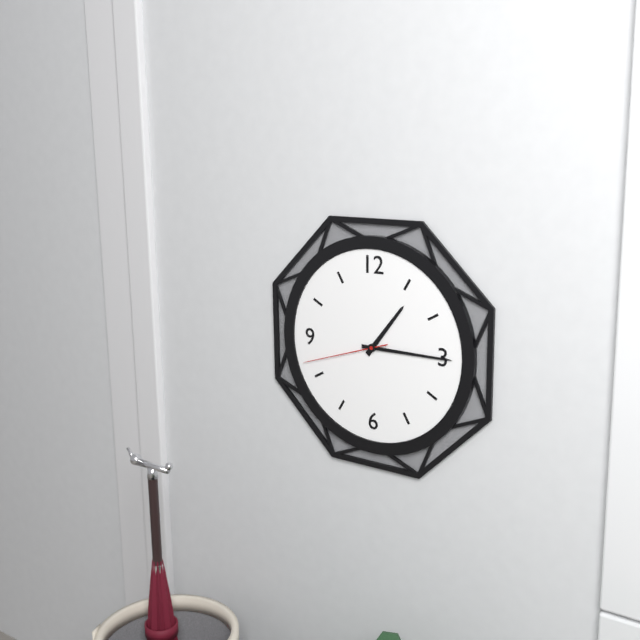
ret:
{"hour": 1, "minute": 15, "second": 42}
